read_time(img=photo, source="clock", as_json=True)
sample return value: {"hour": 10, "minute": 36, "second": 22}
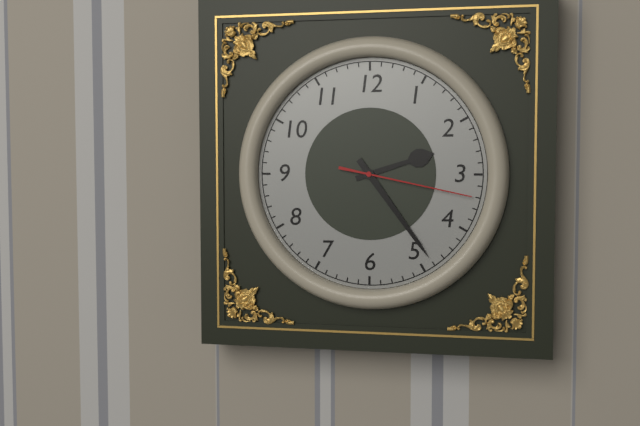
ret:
{"hour": 2, "minute": 24, "second": 17}
